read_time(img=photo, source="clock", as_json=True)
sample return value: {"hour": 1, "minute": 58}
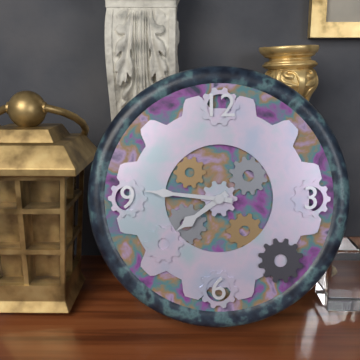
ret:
{"hour": 7, "minute": 46}
